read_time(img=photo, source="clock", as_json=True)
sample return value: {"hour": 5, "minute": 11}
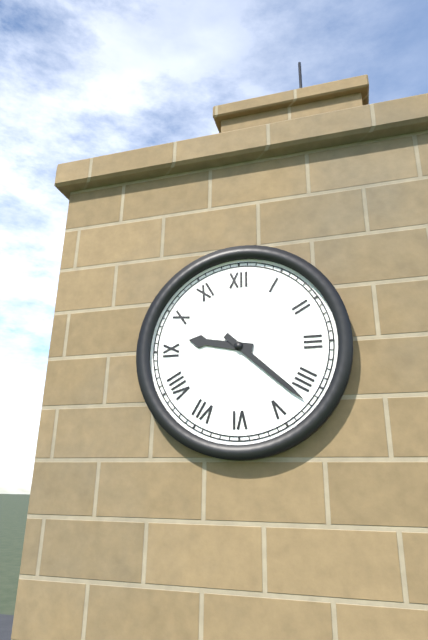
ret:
{"hour": 9, "minute": 22}
